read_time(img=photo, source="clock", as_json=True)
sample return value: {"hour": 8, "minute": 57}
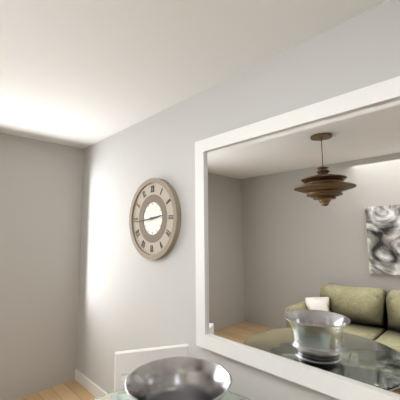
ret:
{"hour": 2, "minute": 44}
